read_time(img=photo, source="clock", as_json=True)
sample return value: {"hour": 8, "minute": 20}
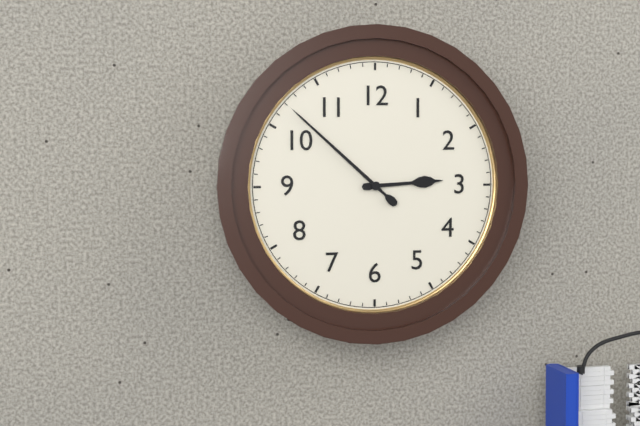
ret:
{"hour": 2, "minute": 52}
